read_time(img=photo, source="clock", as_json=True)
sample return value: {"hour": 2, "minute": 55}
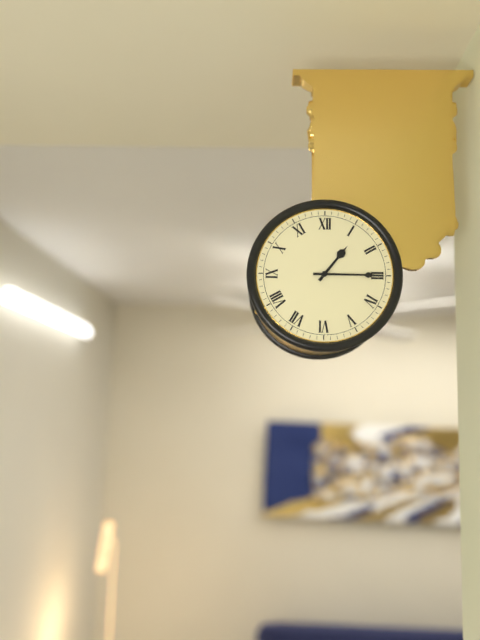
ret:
{"hour": 1, "minute": 15}
